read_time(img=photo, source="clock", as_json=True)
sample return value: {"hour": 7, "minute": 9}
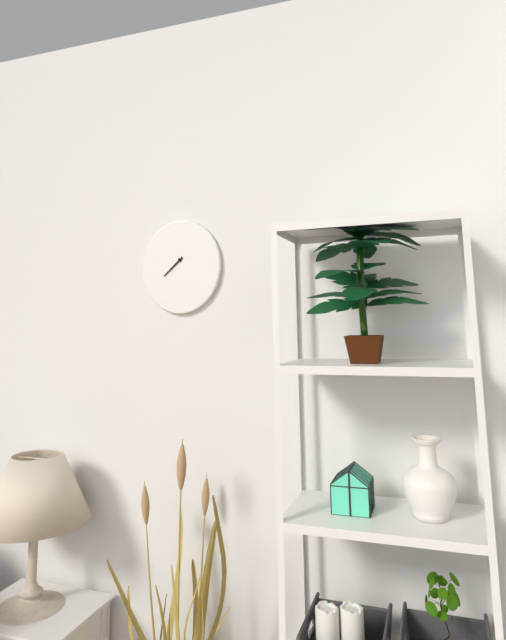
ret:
{"hour": 7, "minute": 38}
